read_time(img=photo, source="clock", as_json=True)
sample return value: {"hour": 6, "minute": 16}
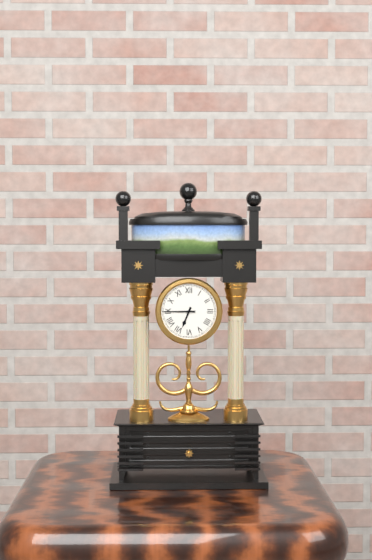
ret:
{"hour": 6, "minute": 45}
